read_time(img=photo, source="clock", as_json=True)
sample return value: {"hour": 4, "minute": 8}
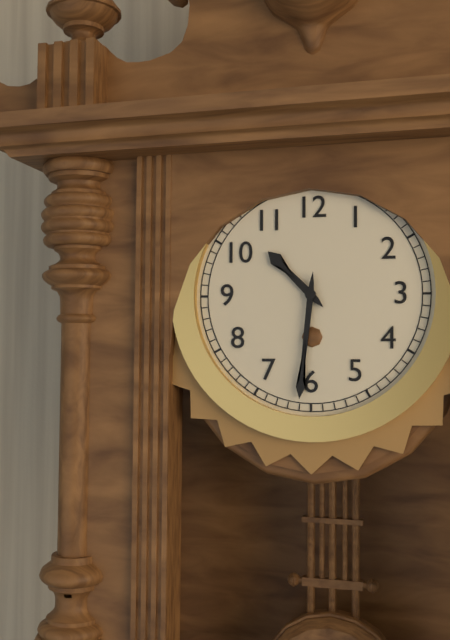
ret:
{"hour": 10, "minute": 31}
